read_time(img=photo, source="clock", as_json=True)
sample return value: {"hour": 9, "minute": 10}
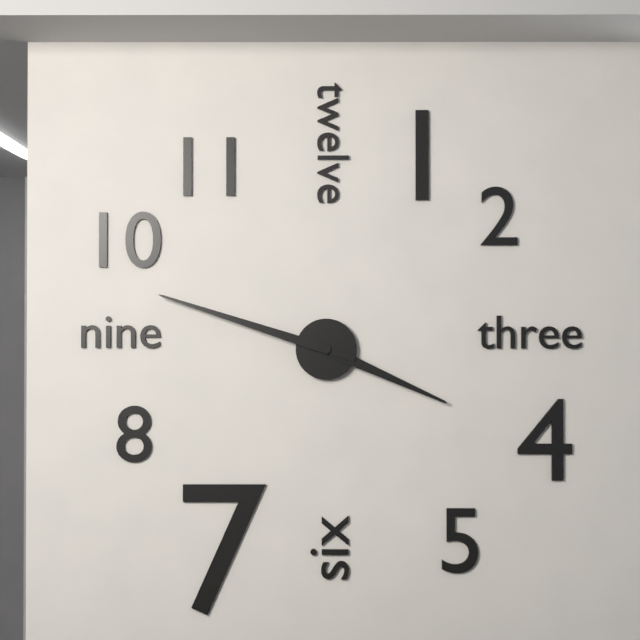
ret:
{"hour": 3, "minute": 48}
